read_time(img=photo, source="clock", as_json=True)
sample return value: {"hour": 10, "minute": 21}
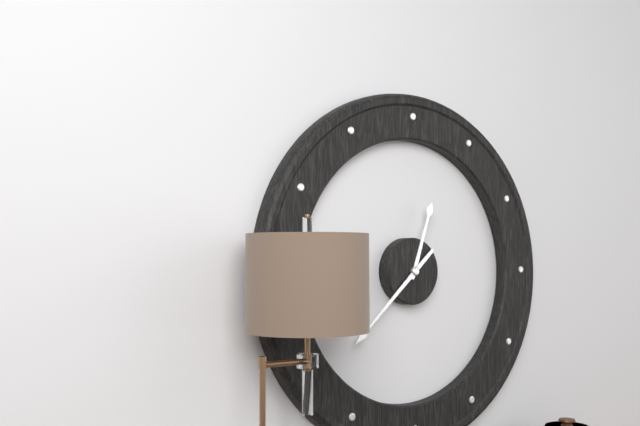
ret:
{"hour": 12, "minute": 38}
